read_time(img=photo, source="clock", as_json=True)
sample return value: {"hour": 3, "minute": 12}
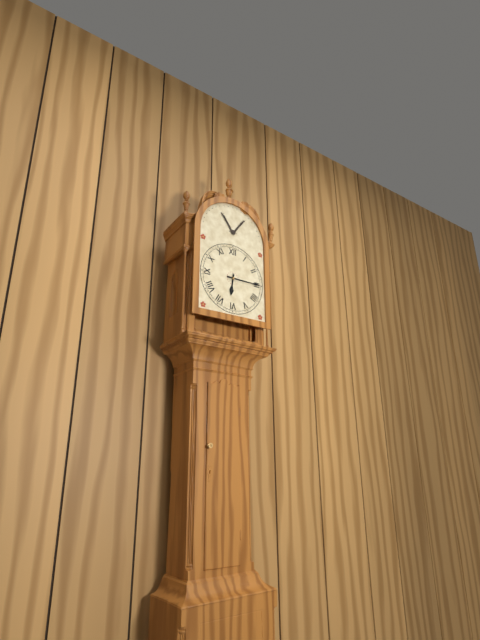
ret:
{"hour": 6, "minute": 15}
